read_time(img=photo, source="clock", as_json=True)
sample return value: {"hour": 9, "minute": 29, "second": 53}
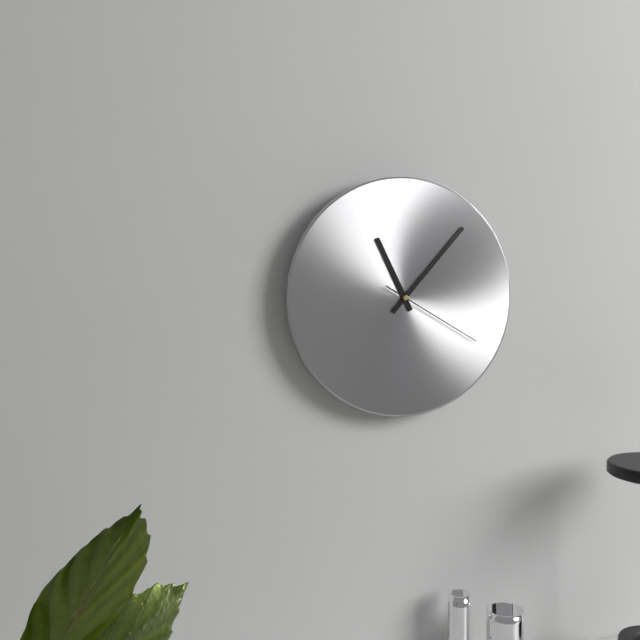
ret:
{"hour": 11, "minute": 7, "second": 20}
